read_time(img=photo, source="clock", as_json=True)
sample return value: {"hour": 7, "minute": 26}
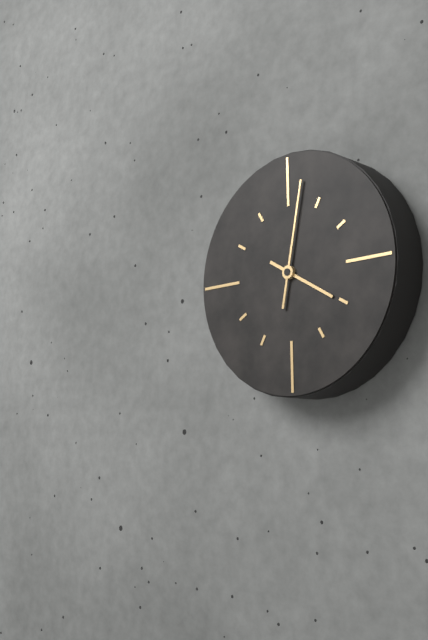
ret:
{"hour": 4, "minute": 2}
